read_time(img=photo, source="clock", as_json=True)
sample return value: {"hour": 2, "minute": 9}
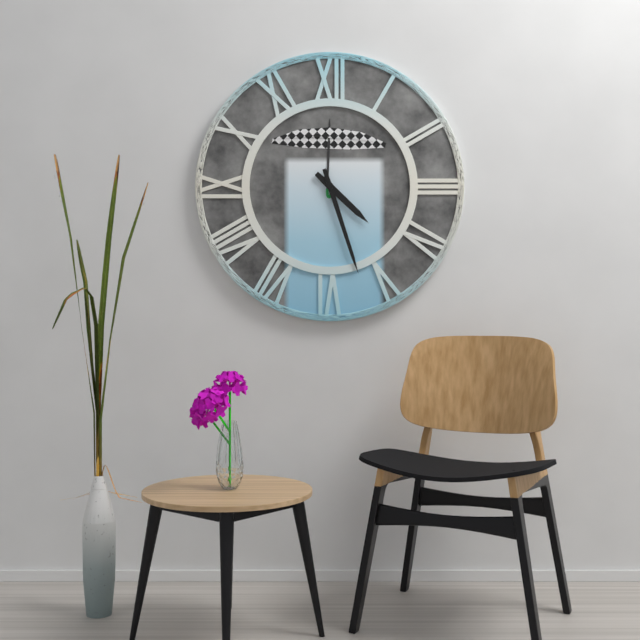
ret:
{"hour": 4, "minute": 27}
